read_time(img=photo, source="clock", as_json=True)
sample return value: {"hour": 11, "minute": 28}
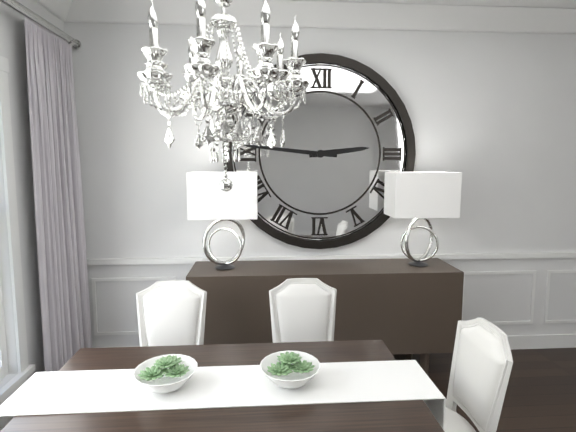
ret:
{"hour": 2, "minute": 46}
